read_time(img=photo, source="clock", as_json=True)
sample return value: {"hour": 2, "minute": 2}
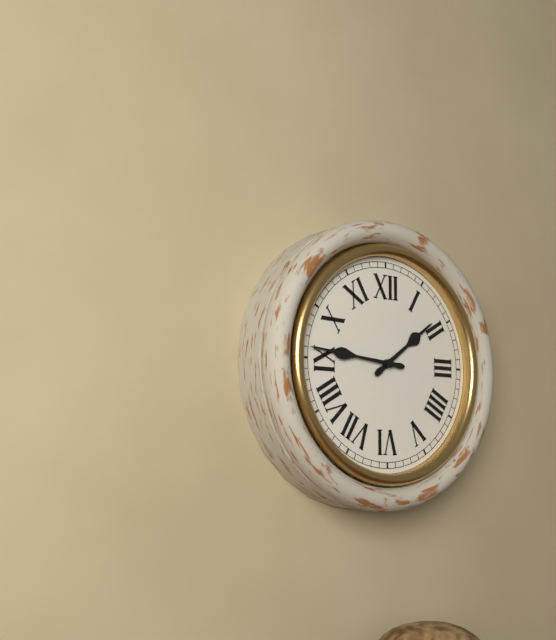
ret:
{"hour": 1, "minute": 46}
